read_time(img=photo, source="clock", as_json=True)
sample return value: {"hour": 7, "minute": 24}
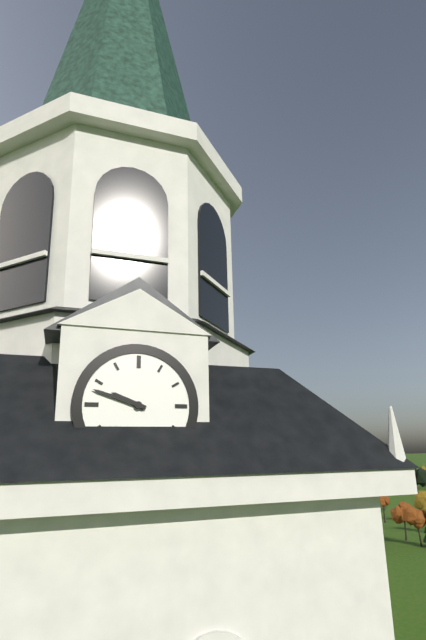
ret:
{"hour": 9, "minute": 48}
